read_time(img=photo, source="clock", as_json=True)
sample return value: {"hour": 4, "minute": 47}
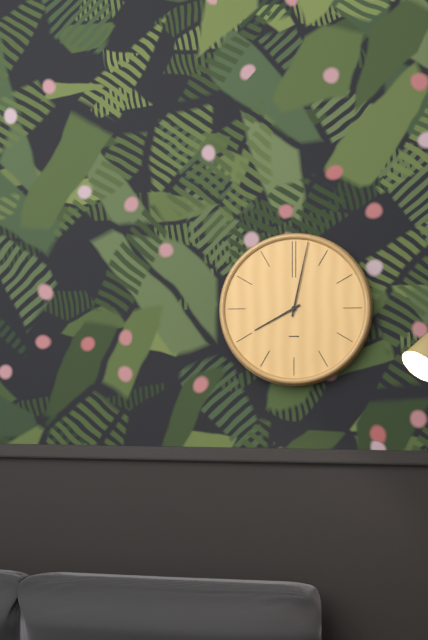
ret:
{"hour": 8, "minute": 2}
